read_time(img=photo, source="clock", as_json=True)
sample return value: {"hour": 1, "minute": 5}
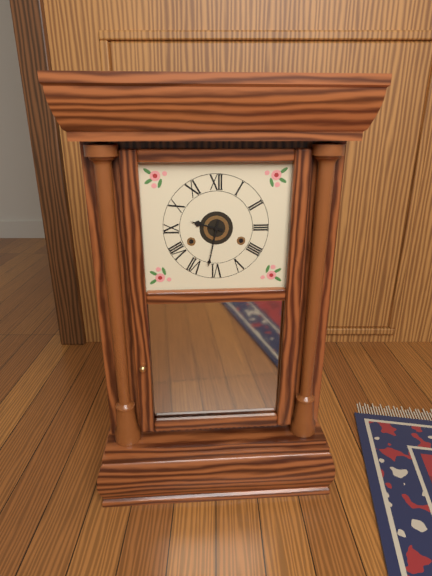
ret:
{"hour": 9, "minute": 32}
